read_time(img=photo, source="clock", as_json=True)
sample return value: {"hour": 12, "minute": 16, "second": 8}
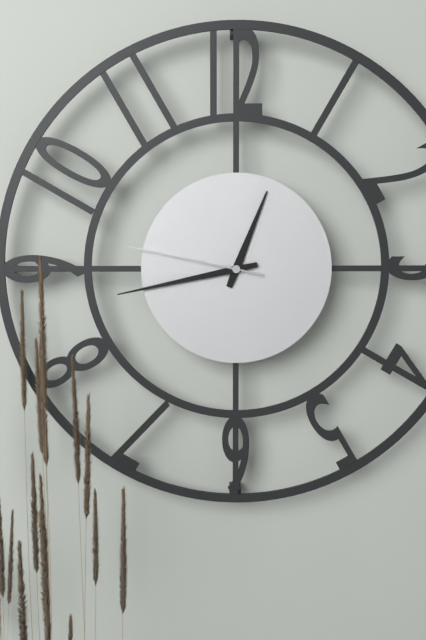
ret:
{"hour": 12, "minute": 43, "second": 47}
